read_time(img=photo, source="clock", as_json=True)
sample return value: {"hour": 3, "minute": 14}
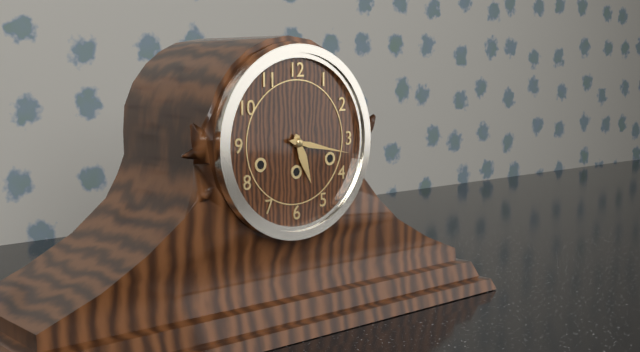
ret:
{"hour": 5, "minute": 17}
